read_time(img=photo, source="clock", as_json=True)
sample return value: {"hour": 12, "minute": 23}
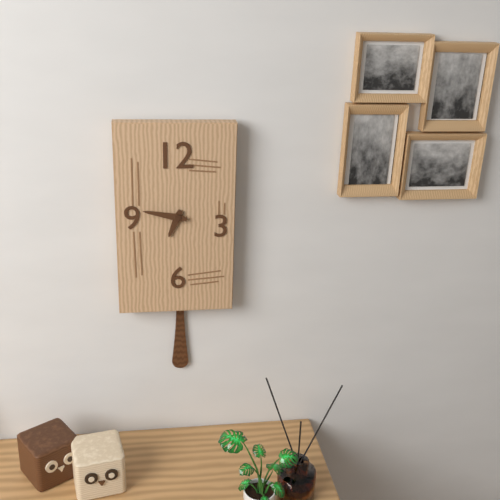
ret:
{"hour": 6, "minute": 47}
